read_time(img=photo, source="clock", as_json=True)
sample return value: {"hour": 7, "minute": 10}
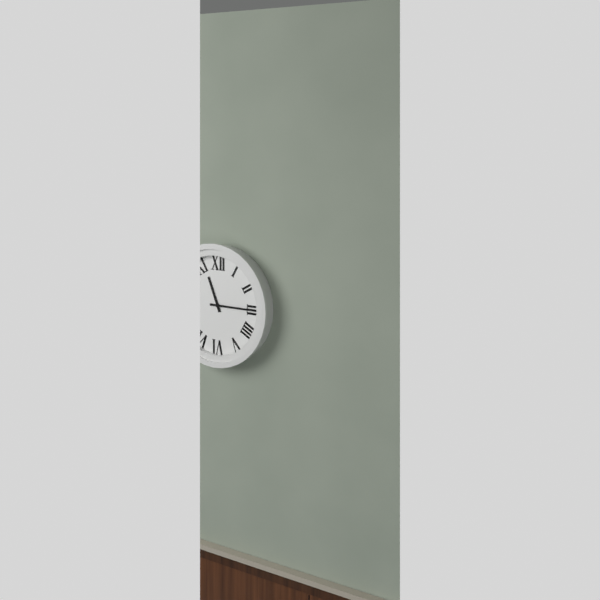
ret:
{"hour": 11, "minute": 15}
